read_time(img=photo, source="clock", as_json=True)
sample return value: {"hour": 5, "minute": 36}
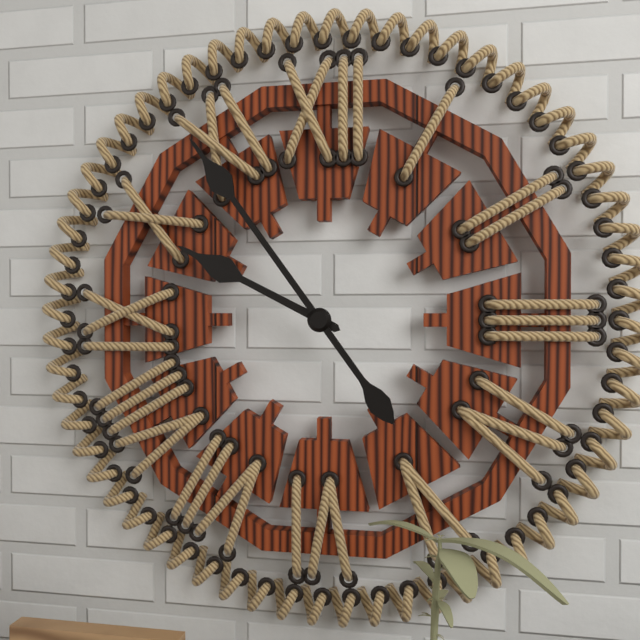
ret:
{"hour": 9, "minute": 54}
